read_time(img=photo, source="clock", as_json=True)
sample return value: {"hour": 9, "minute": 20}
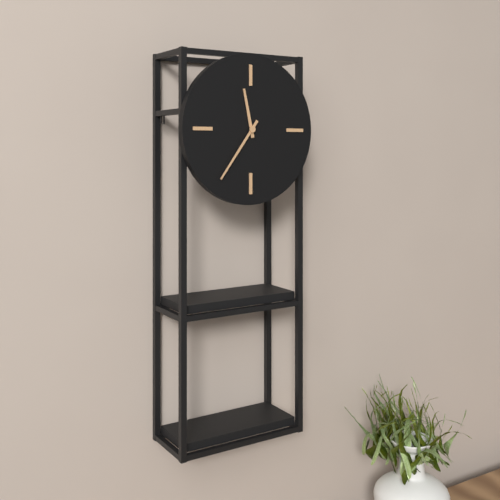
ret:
{"hour": 11, "minute": 36}
